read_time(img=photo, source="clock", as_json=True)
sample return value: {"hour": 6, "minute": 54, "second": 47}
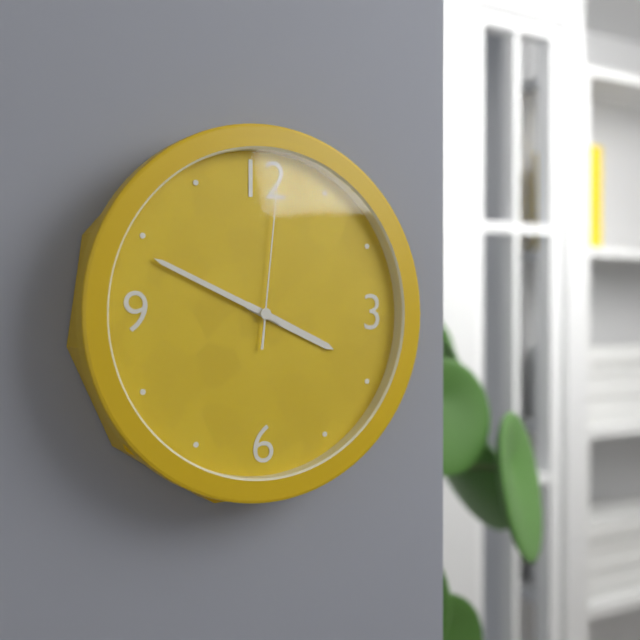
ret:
{"hour": 3, "minute": 49, "second": 1}
